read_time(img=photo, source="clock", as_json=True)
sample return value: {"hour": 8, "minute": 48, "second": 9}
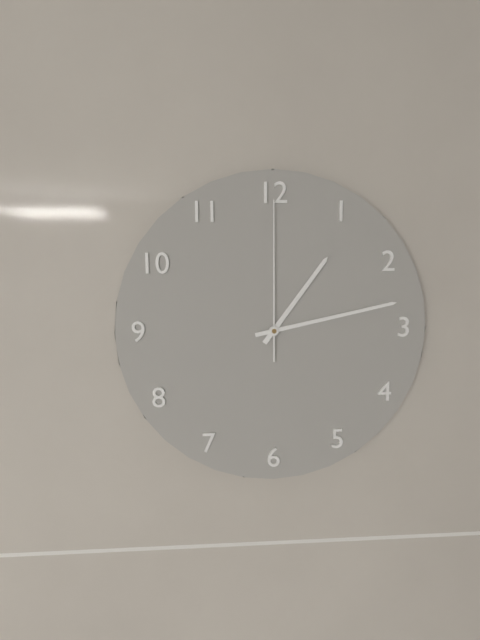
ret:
{"hour": 1, "minute": 13, "second": 0}
